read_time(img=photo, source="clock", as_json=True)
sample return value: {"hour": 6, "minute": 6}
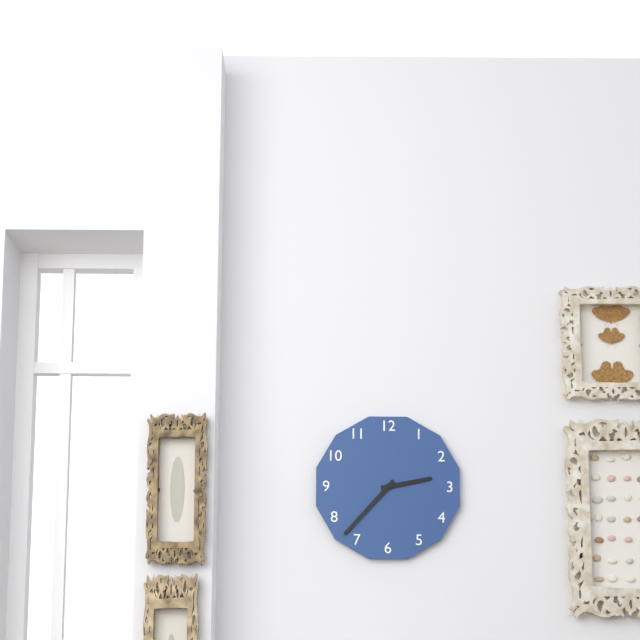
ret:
{"hour": 2, "minute": 37}
